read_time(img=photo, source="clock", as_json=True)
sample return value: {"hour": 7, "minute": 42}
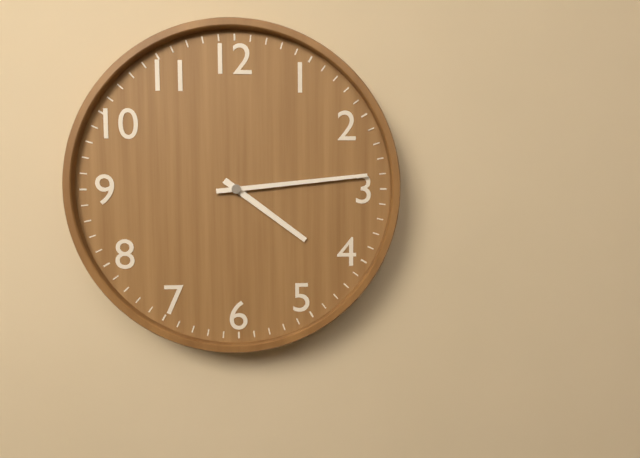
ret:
{"hour": 4, "minute": 14}
